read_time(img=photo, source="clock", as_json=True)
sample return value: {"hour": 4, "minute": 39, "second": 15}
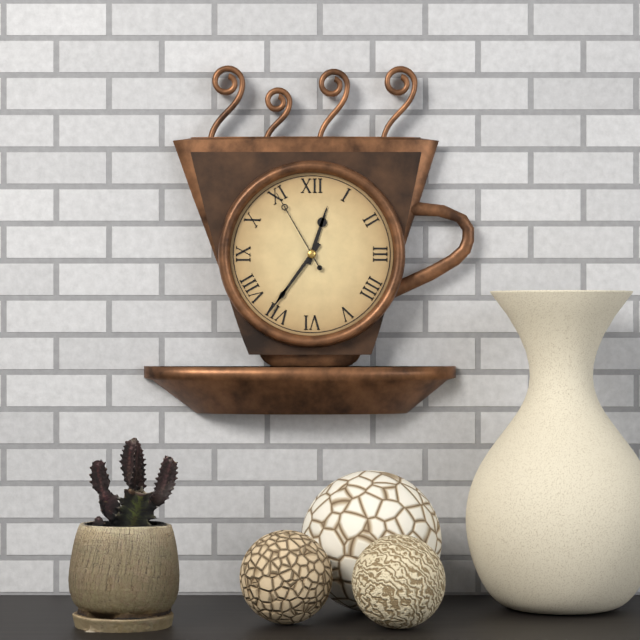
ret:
{"hour": 12, "minute": 36, "second": 55}
